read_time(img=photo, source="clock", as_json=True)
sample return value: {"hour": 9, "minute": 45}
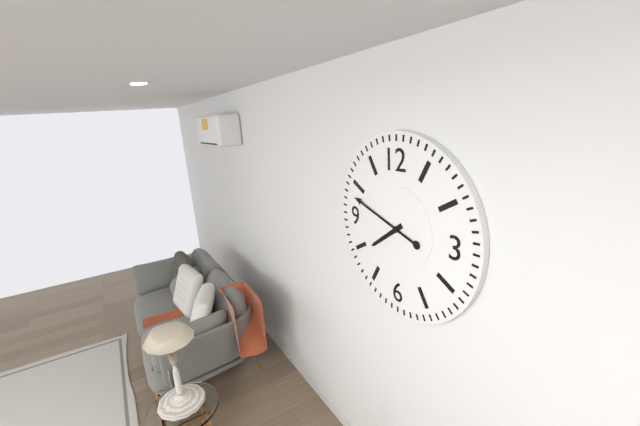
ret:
{"hour": 7, "minute": 48}
